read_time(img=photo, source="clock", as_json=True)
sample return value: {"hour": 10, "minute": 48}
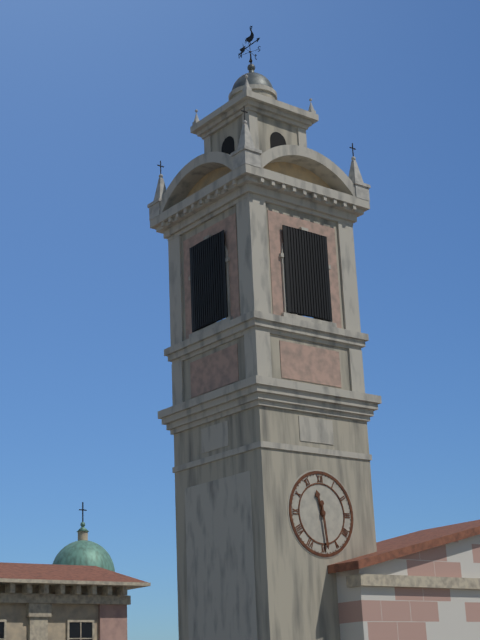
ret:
{"hour": 11, "minute": 29}
